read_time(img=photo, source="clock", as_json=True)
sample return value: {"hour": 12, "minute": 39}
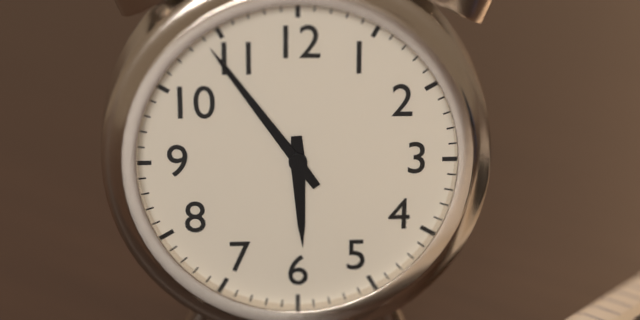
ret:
{"hour": 5, "minute": 54}
